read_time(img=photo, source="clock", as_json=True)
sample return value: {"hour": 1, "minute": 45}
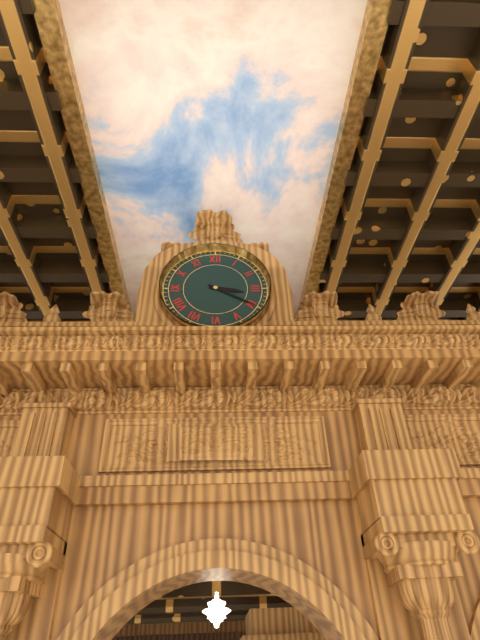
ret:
{"hour": 3, "minute": 20}
